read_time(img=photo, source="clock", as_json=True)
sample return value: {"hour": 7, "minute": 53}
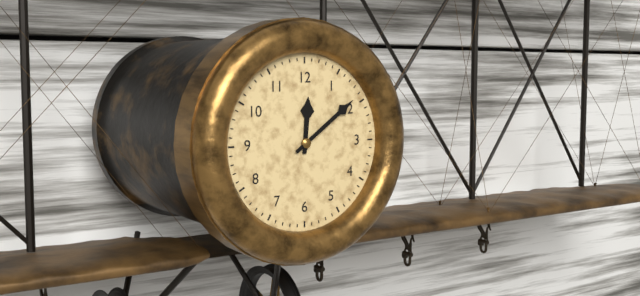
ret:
{"hour": 12, "minute": 9}
